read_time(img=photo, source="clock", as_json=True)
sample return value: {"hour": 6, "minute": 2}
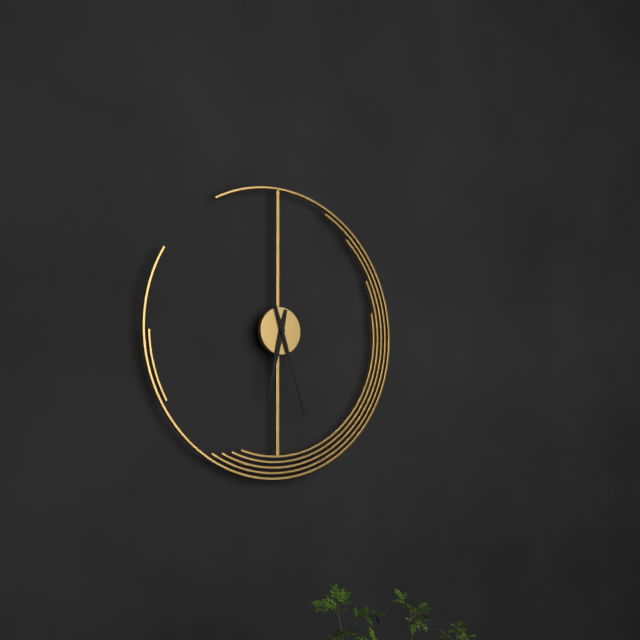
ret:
{"hour": 6, "minute": 27}
